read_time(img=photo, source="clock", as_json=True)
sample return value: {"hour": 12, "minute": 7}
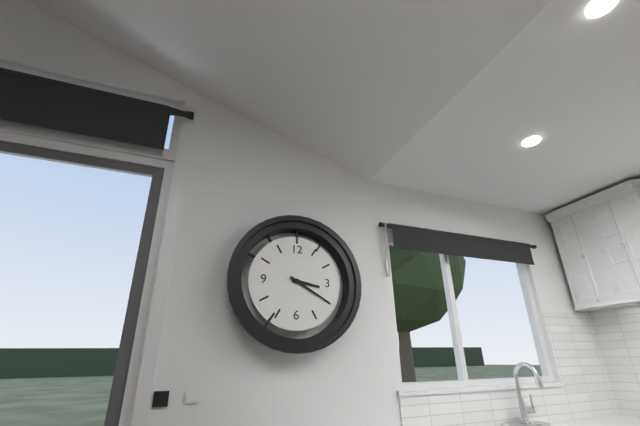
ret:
{"hour": 3, "minute": 20}
